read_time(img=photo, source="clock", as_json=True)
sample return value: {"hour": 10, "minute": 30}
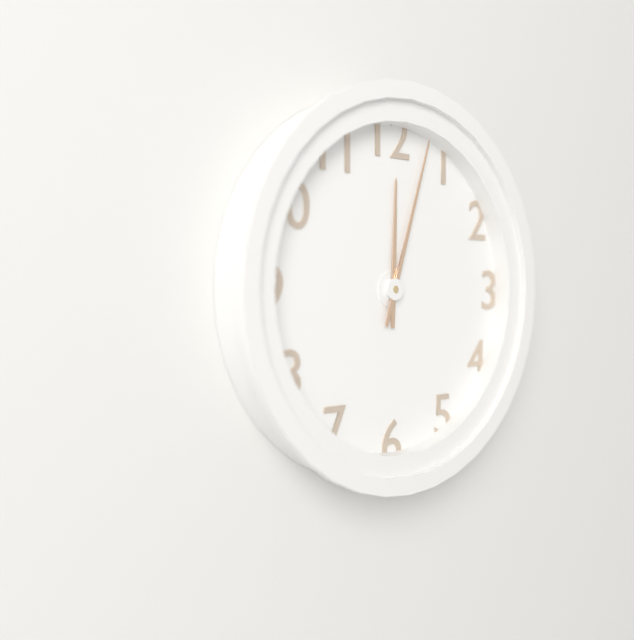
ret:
{"hour": 12, "minute": 3}
